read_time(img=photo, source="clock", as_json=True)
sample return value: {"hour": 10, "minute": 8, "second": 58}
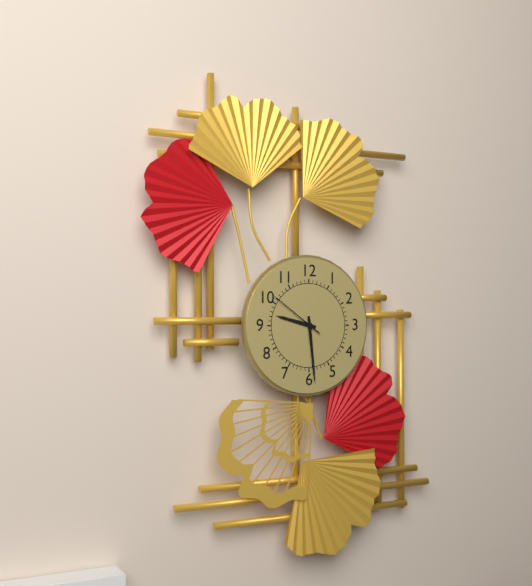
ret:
{"hour": 9, "minute": 29, "second": 51}
